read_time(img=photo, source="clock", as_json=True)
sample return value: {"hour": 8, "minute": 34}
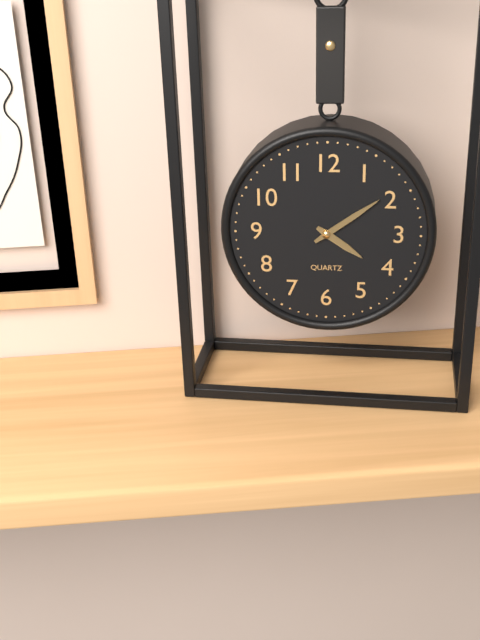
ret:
{"hour": 4, "minute": 9}
